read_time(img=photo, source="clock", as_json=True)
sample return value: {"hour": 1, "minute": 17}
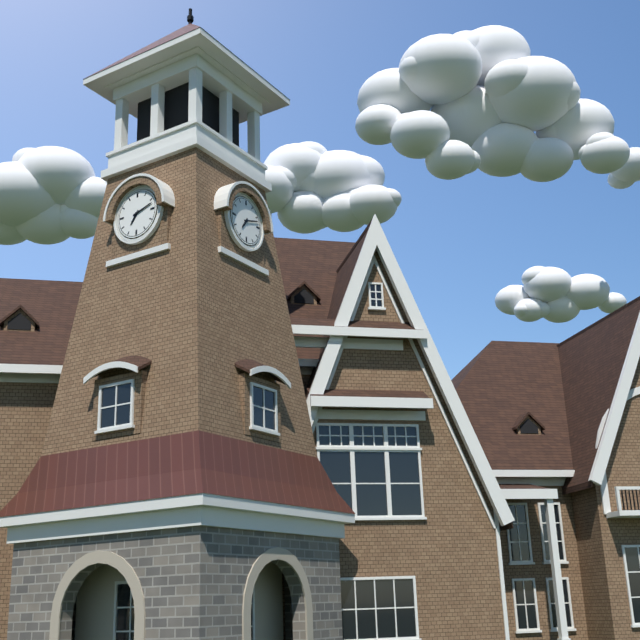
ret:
{"hour": 7, "minute": 12}
